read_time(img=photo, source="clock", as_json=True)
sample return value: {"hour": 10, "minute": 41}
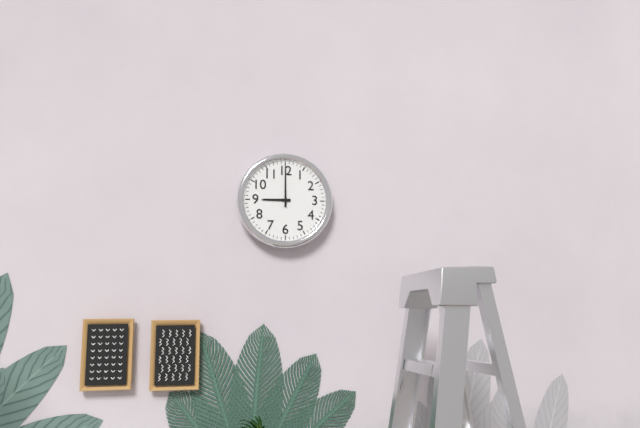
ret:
{"hour": 9, "minute": 0}
